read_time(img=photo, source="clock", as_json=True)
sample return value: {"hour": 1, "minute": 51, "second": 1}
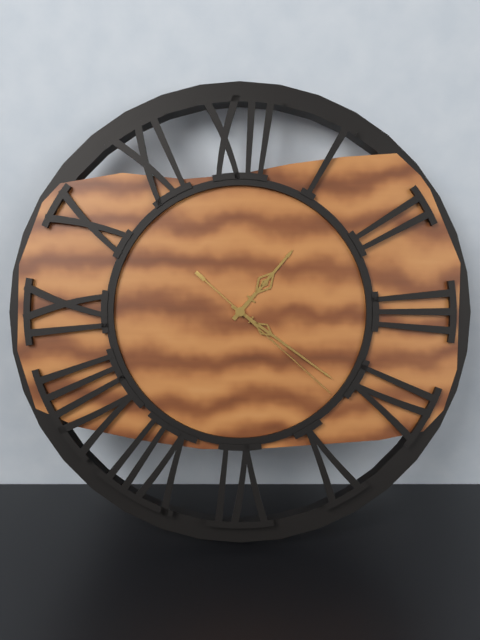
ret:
{"hour": 1, "minute": 21, "second": 22}
